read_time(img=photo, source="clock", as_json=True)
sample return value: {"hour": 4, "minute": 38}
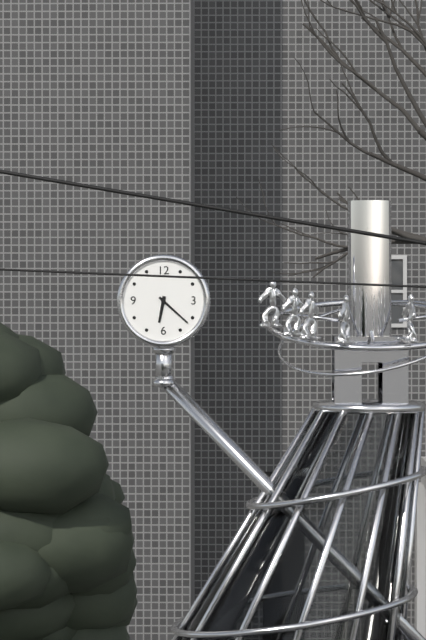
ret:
{"hour": 6, "minute": 22}
